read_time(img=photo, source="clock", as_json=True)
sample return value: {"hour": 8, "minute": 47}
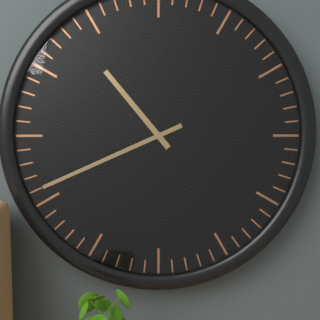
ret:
{"hour": 10, "minute": 41}
